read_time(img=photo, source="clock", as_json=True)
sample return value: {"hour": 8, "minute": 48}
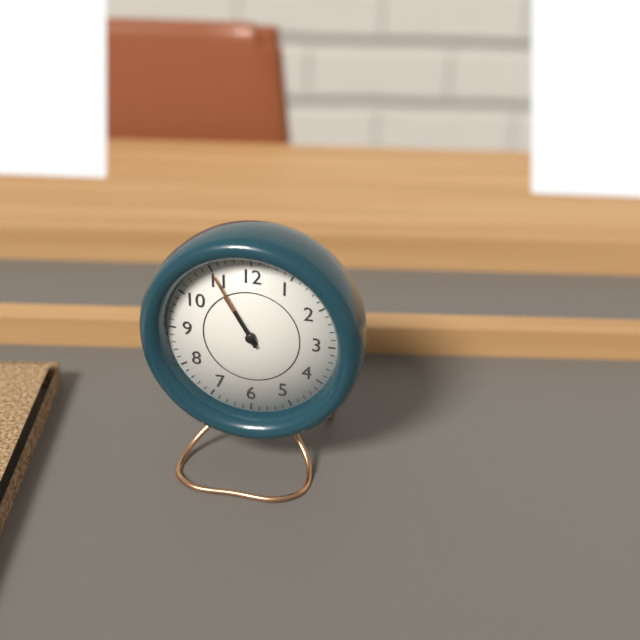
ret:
{"hour": 10, "minute": 55}
